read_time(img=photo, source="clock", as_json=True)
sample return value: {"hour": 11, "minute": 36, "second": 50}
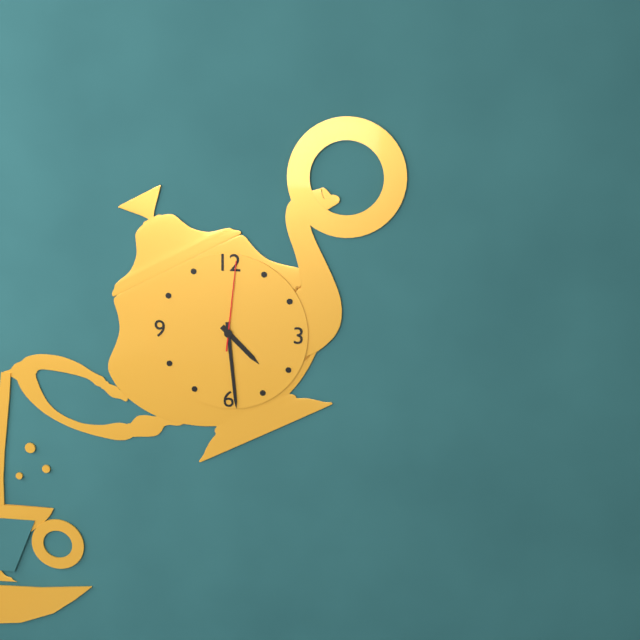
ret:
{"hour": 4, "minute": 29, "second": 1}
